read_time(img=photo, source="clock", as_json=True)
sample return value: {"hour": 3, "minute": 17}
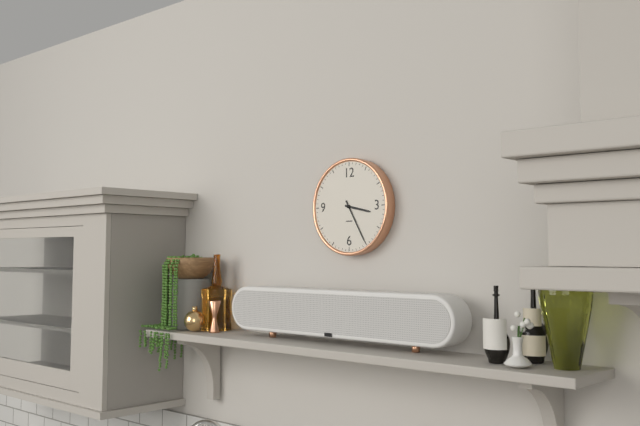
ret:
{"hour": 3, "minute": 25}
